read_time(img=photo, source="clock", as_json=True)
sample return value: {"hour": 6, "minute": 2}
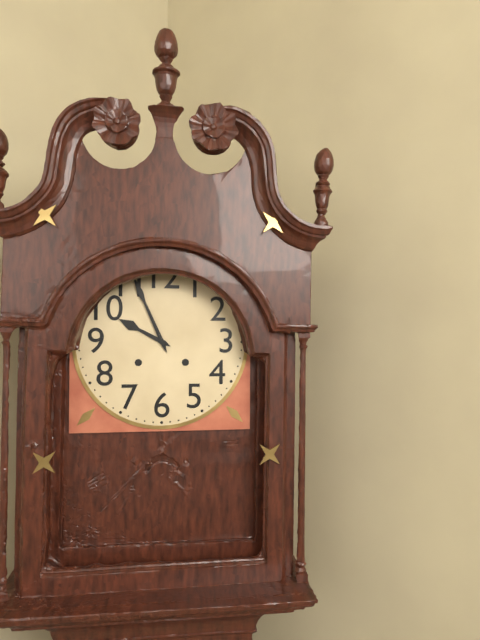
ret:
{"hour": 9, "minute": 56}
